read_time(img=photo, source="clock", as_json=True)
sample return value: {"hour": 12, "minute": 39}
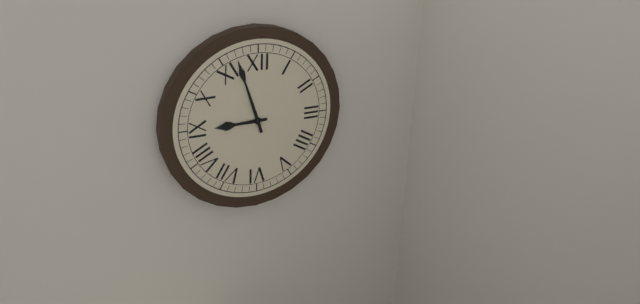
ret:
{"hour": 8, "minute": 57}
